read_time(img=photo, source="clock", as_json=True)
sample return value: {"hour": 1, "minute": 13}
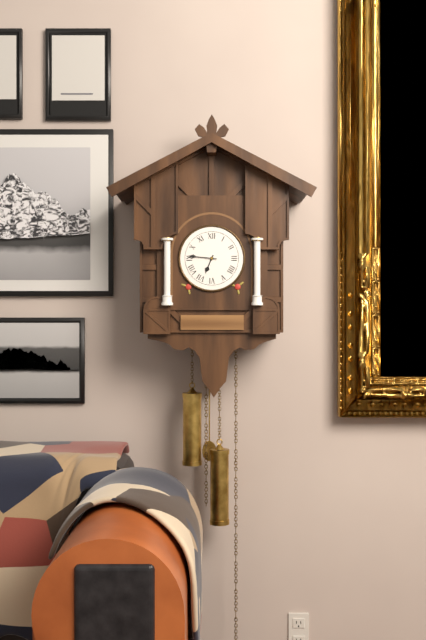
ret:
{"hour": 6, "minute": 46}
